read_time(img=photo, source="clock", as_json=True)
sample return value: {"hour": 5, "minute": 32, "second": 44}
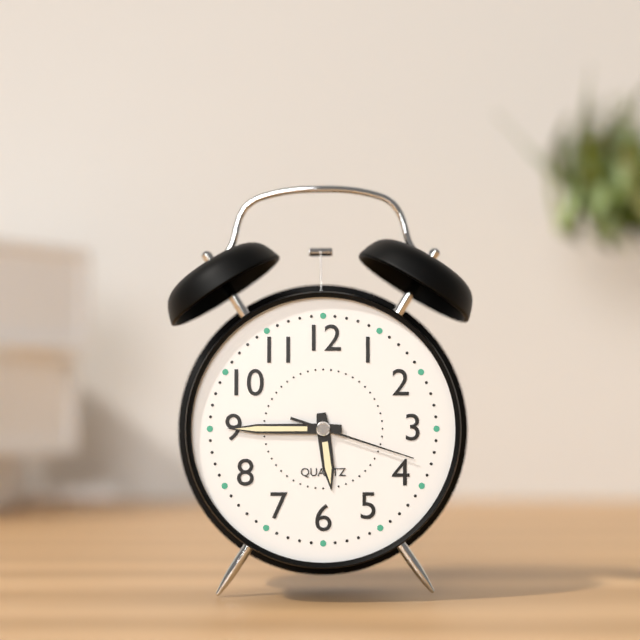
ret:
{"hour": 5, "minute": 45, "second": 18}
